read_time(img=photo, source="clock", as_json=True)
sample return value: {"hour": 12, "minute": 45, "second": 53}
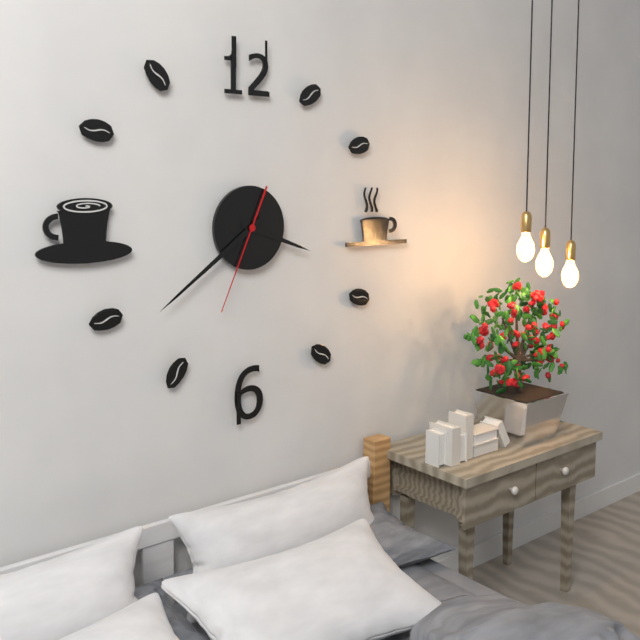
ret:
{"hour": 3, "minute": 39, "second": 34}
